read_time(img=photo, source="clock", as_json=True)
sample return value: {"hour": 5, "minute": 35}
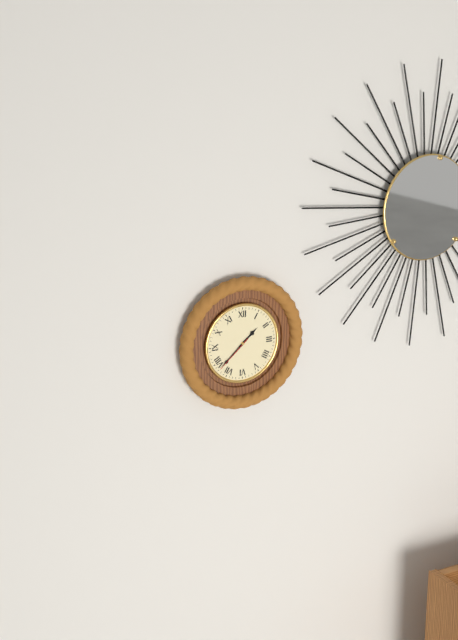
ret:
{"hour": 1, "minute": 38}
